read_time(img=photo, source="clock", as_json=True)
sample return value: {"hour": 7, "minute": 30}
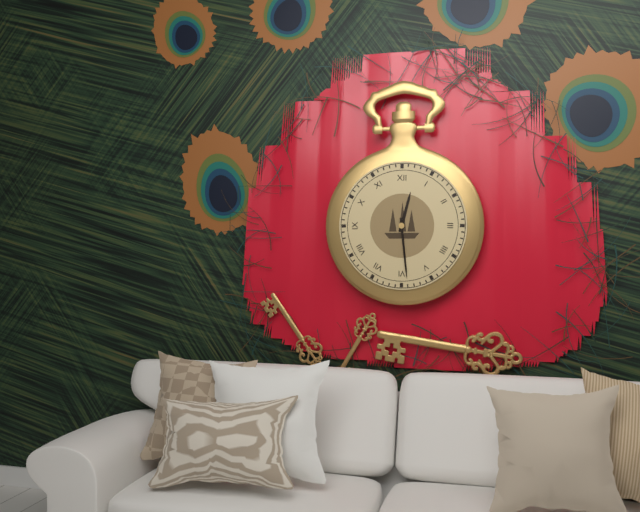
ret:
{"hour": 12, "minute": 29}
